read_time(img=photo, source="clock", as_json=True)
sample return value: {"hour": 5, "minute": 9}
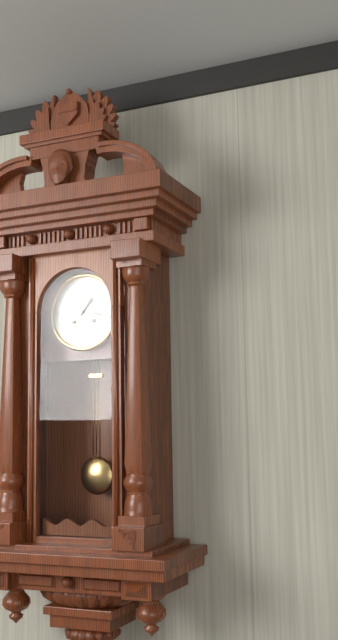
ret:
{"hour": 1, "minute": 17}
